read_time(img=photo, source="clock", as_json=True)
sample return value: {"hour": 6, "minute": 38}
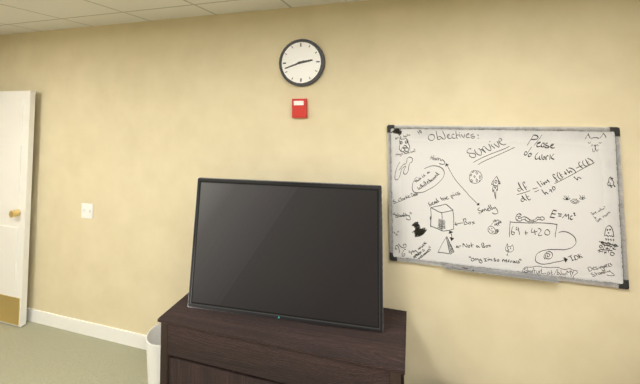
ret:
{"hour": 2, "minute": 42}
